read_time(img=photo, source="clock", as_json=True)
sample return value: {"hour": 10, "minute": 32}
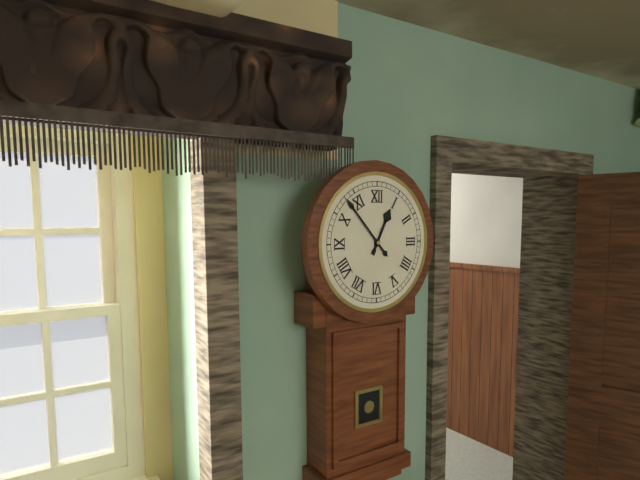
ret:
{"hour": 12, "minute": 53}
